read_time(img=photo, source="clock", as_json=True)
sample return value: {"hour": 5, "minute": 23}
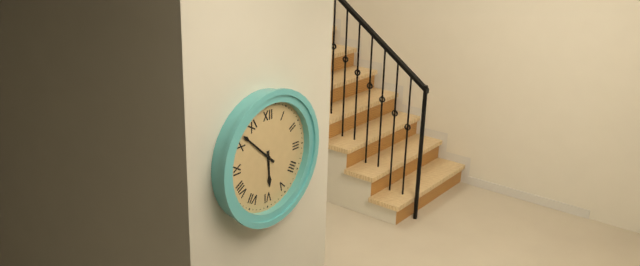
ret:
{"hour": 5, "minute": 52}
